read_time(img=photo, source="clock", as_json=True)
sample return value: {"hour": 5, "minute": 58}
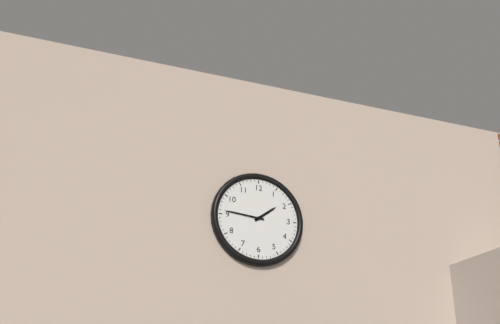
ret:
{"hour": 1, "minute": 46}
